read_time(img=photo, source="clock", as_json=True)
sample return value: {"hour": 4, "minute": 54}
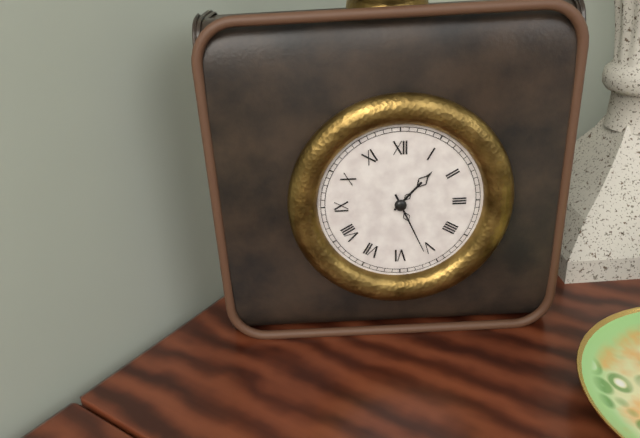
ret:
{"hour": 1, "minute": 26}
